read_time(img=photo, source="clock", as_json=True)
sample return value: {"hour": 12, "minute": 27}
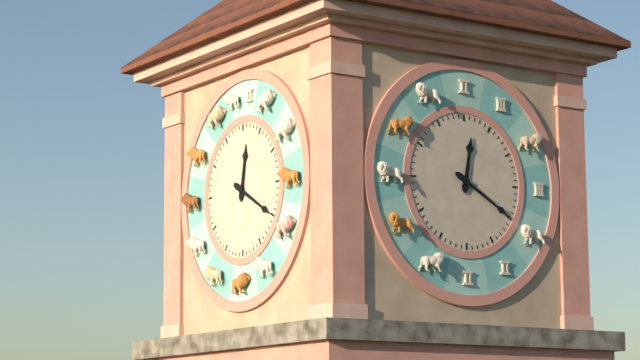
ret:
{"hour": 12, "minute": 20}
